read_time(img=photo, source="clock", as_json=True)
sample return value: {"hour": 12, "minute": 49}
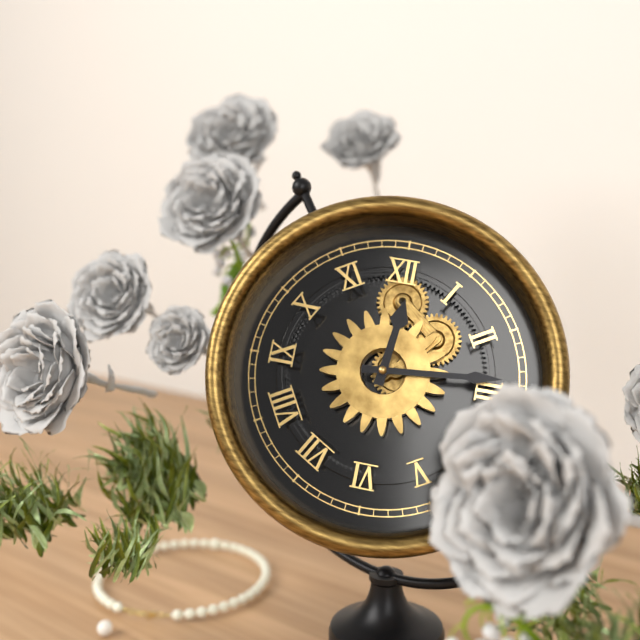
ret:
{"hour": 12, "minute": 14}
